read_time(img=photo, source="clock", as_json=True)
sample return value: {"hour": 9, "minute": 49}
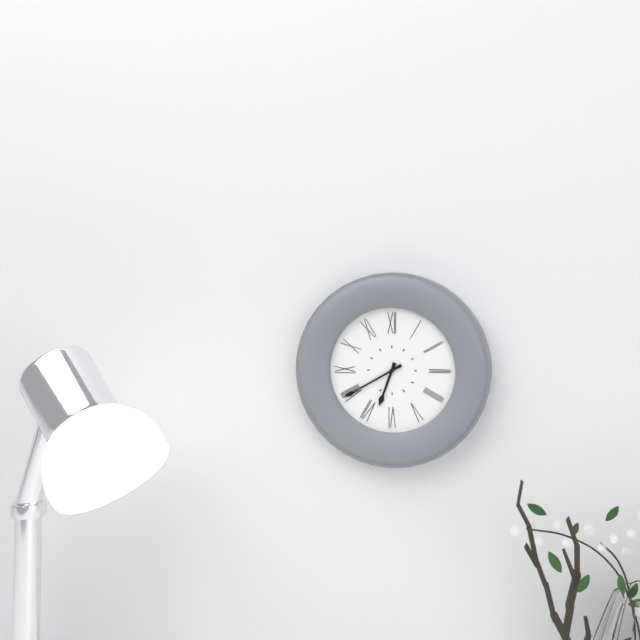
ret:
{"hour": 6, "minute": 40}
